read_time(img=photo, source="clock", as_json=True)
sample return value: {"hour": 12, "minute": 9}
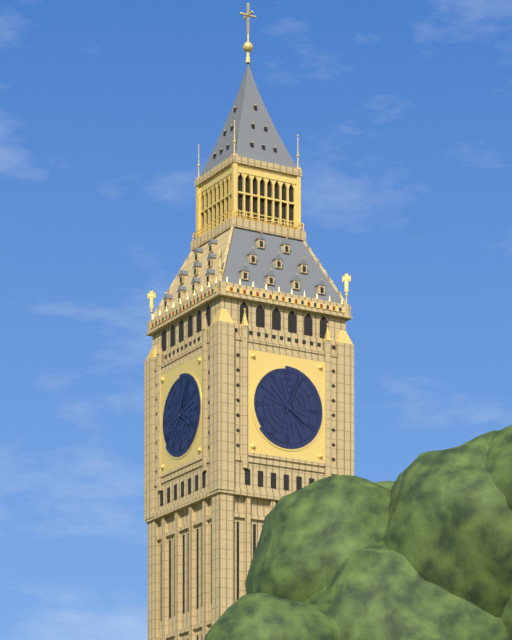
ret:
{"hour": 4, "minute": 4}
